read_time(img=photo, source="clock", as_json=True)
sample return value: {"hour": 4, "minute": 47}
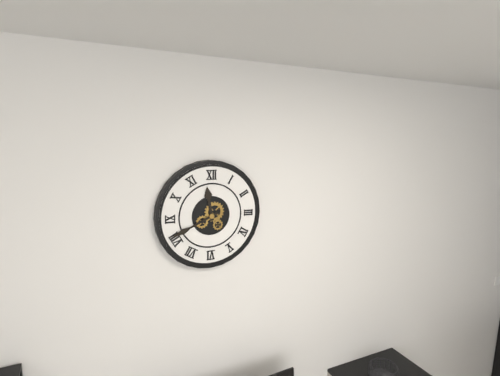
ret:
{"hour": 11, "minute": 41}
